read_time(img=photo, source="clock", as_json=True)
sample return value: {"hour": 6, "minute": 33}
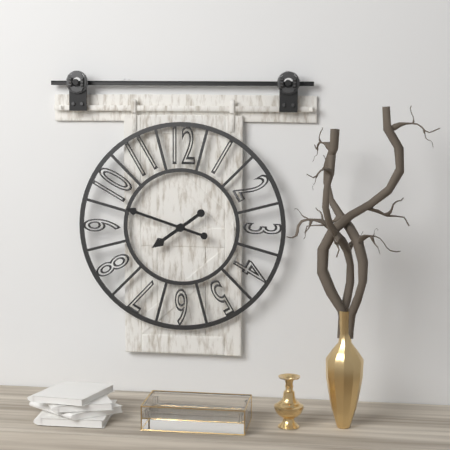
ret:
{"hour": 7, "minute": 48}
